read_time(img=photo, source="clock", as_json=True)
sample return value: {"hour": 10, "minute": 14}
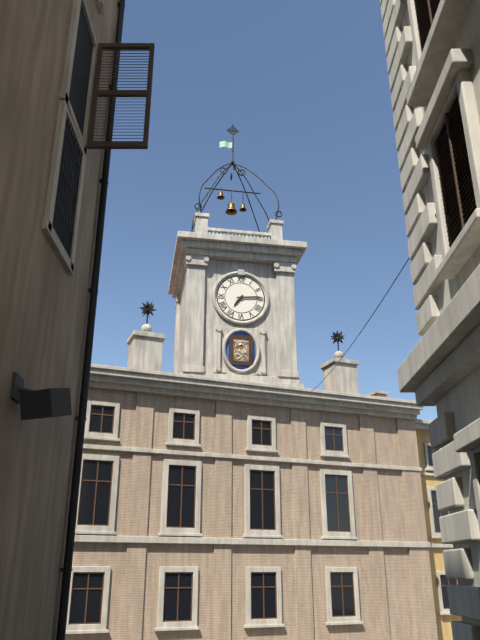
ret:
{"hour": 7, "minute": 14}
